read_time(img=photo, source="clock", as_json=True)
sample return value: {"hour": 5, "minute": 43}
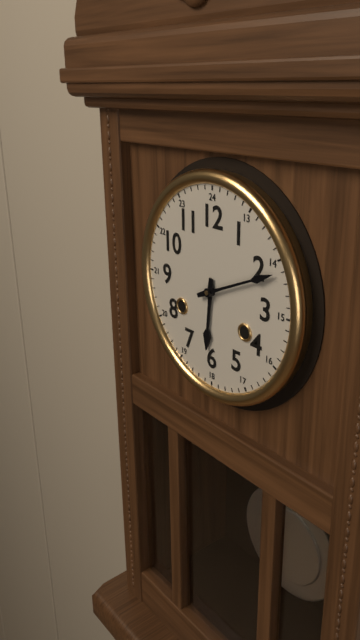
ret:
{"hour": 6, "minute": 11}
